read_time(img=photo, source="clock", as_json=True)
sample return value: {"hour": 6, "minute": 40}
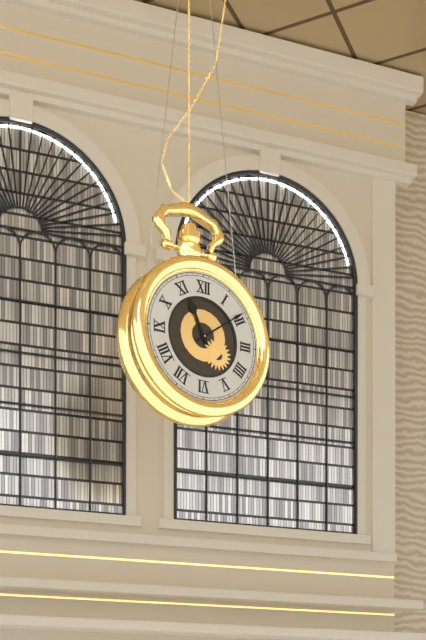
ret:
{"hour": 11, "minute": 9}
